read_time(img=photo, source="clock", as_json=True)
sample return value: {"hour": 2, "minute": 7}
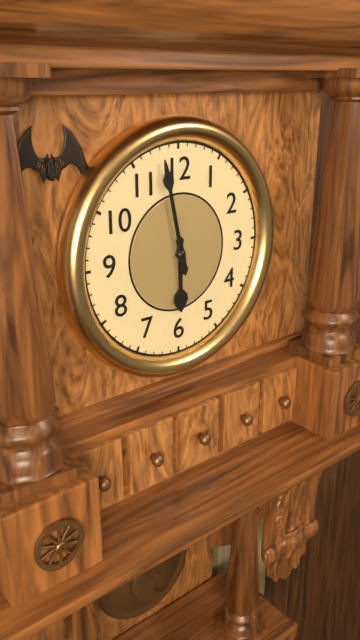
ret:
{"hour": 5, "minute": 58}
